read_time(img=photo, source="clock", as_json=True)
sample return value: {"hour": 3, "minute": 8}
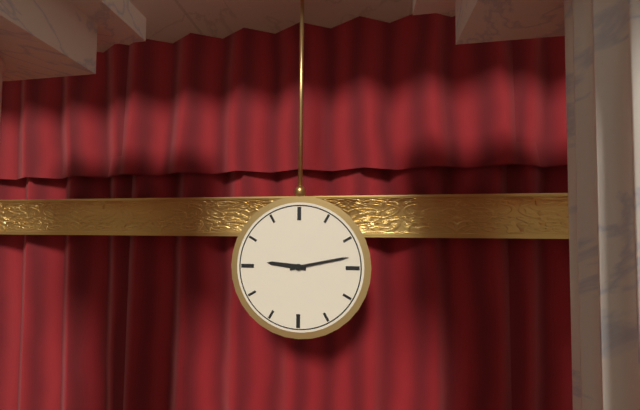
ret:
{"hour": 9, "minute": 13}
